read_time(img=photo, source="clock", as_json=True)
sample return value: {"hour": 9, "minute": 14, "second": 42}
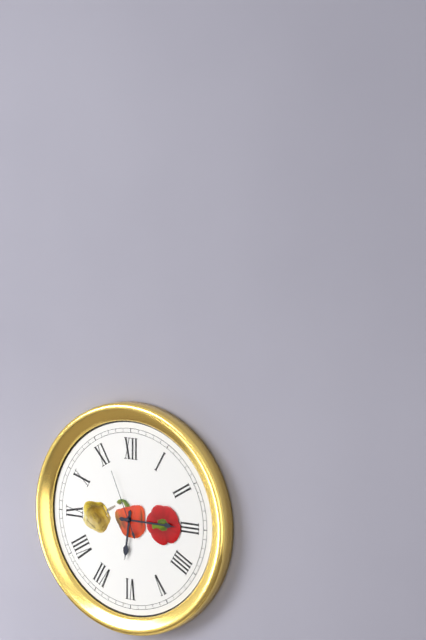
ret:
{"hour": 6, "minute": 15, "second": 56}
